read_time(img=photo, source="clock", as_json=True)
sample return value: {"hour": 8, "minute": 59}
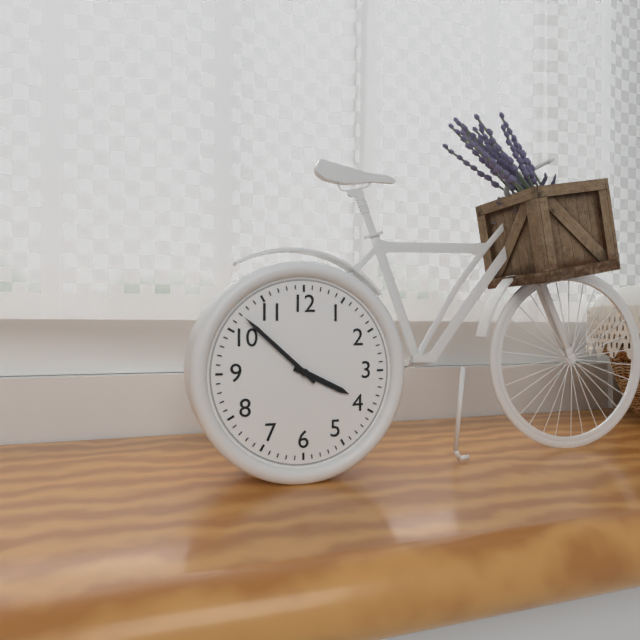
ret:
{"hour": 3, "minute": 52}
